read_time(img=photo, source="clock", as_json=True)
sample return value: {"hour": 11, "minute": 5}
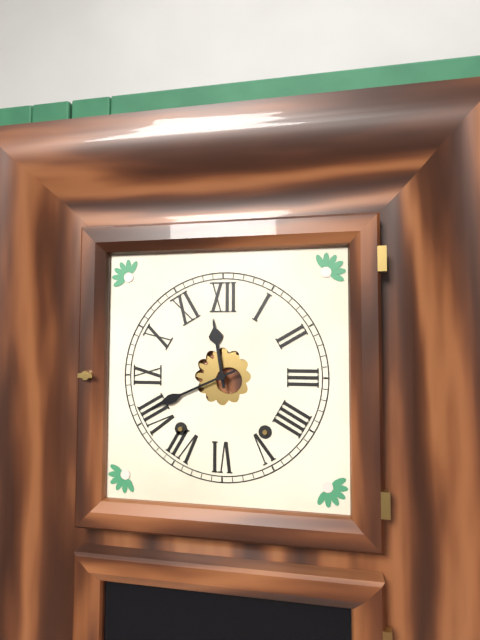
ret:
{"hour": 11, "minute": 41}
